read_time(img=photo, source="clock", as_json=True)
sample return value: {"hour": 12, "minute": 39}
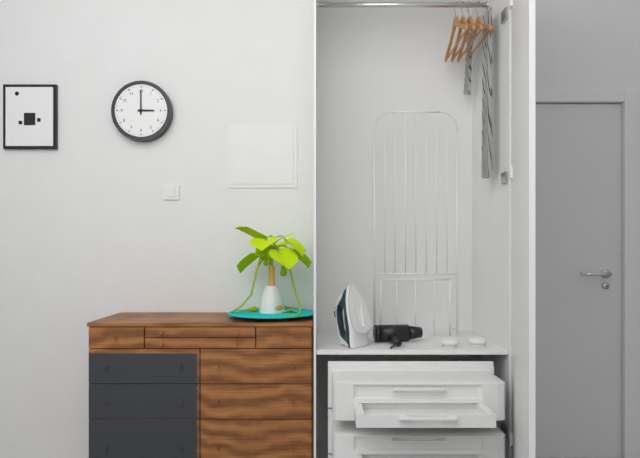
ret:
{"hour": 3, "minute": 0}
